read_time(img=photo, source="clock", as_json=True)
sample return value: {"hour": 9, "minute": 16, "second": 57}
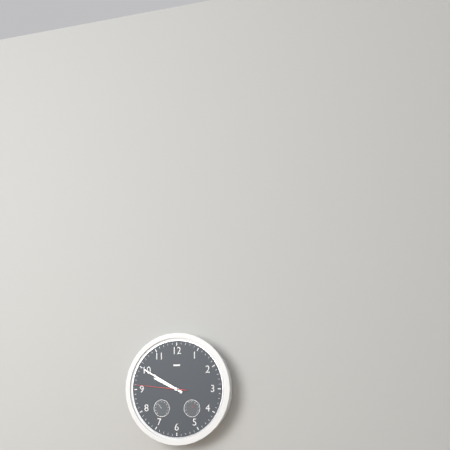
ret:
{"hour": 9, "minute": 50, "second": 46}
